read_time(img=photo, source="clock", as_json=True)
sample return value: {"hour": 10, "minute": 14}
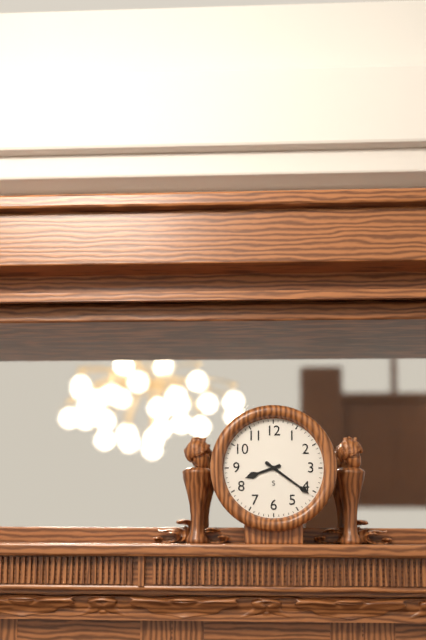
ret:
{"hour": 8, "minute": 21}
